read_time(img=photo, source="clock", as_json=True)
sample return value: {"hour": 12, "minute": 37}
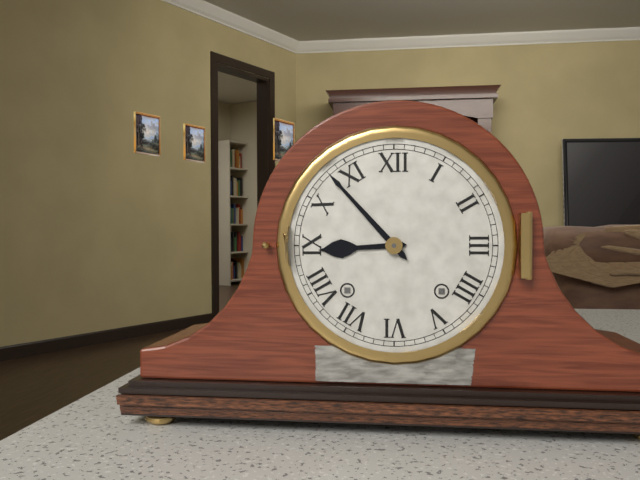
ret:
{"hour": 8, "minute": 53}
